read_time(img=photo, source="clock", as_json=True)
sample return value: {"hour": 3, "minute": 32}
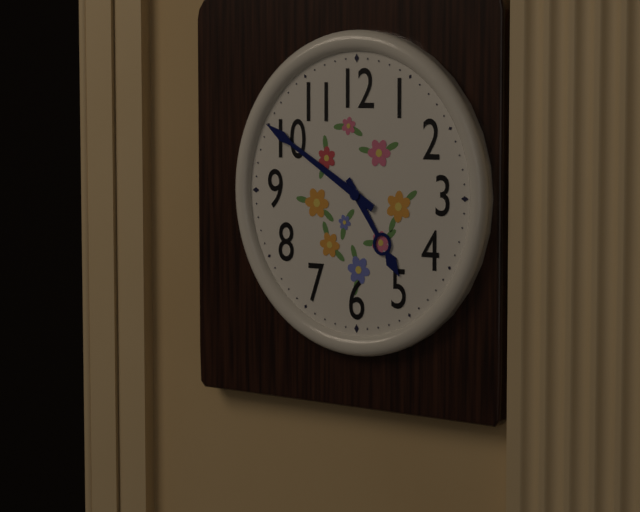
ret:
{"hour": 4, "minute": 50}
